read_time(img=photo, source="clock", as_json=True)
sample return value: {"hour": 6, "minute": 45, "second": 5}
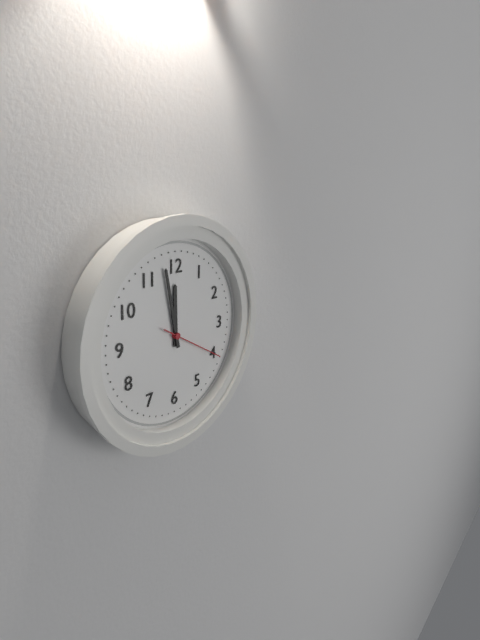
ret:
{"hour": 11, "minute": 58, "second": 20}
